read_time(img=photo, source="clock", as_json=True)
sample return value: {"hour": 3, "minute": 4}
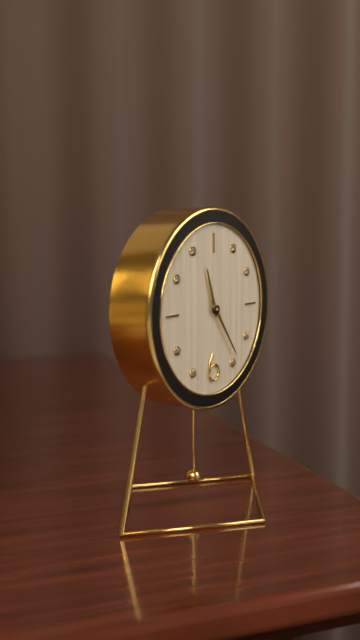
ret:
{"hour": 11, "minute": 24}
